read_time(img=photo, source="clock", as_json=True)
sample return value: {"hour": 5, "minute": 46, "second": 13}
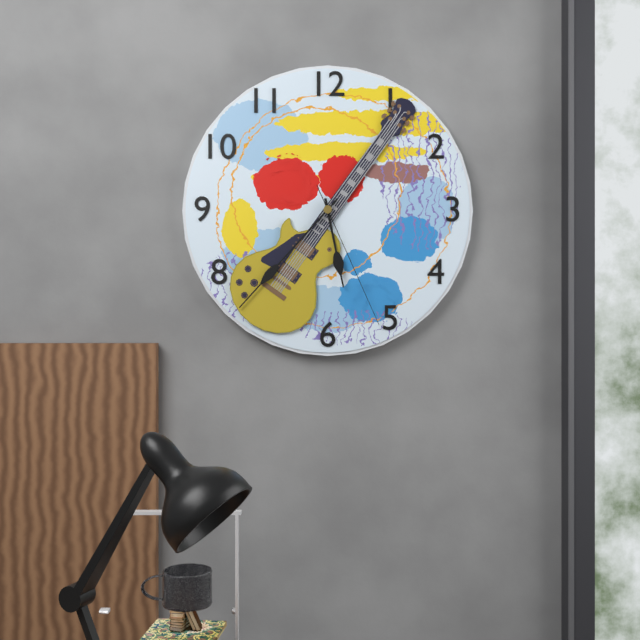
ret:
{"hour": 5, "minute": 37, "second": 26}
